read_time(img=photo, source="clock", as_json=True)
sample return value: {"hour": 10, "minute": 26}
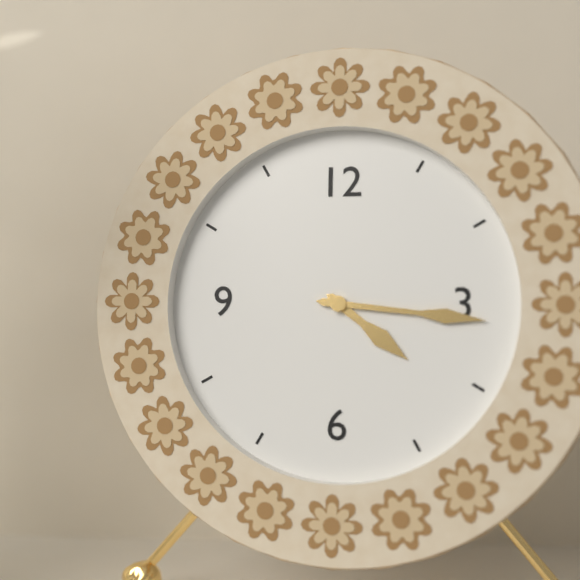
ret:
{"hour": 4, "minute": 16}
